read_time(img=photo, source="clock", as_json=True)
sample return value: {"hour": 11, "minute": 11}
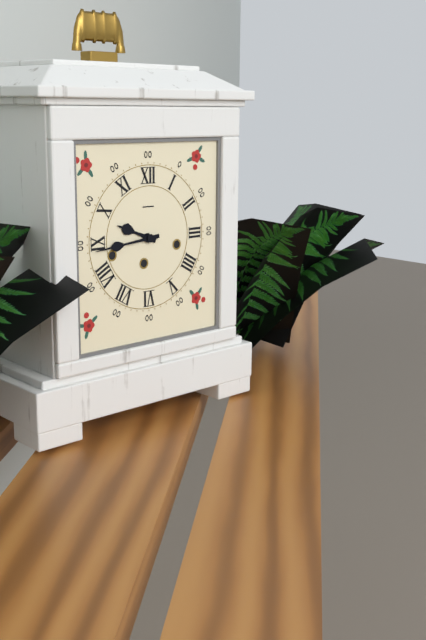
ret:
{"hour": 9, "minute": 44}
